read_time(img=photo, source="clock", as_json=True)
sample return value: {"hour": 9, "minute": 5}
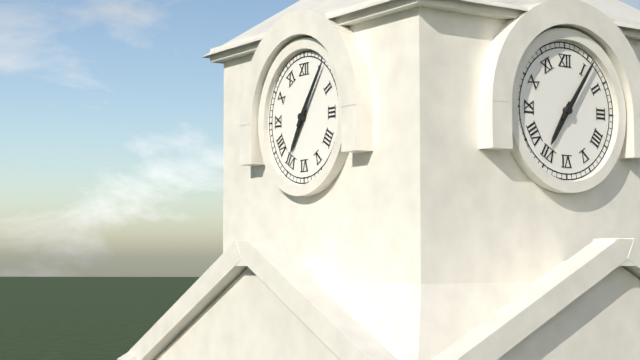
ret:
{"hour": 7, "minute": 6}
